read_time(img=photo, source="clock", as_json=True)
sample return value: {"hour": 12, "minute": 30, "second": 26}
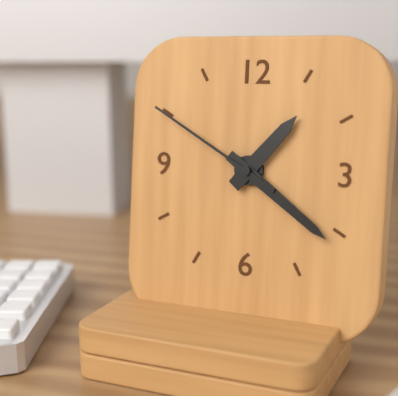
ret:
{"hour": 1, "minute": 21, "second": 50}
